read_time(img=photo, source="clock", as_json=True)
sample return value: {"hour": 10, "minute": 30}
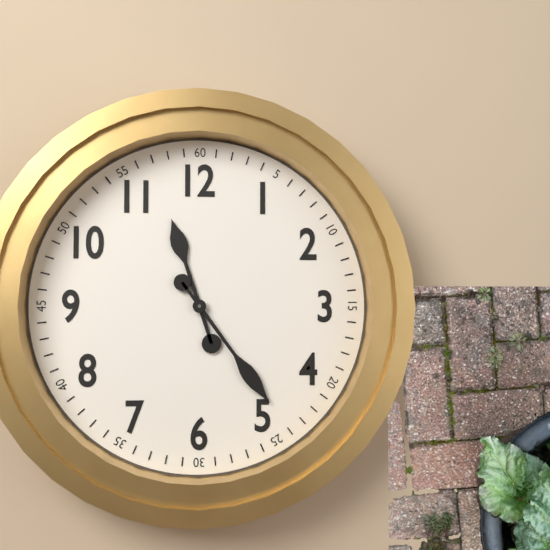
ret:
{"hour": 11, "minute": 24}
